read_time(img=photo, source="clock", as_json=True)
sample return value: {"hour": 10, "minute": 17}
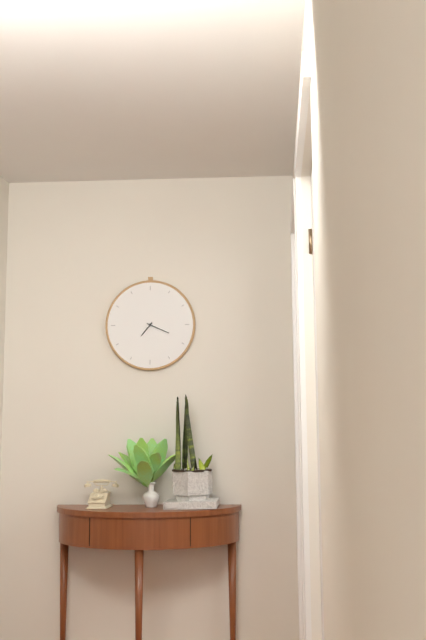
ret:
{"hour": 7, "minute": 19}
